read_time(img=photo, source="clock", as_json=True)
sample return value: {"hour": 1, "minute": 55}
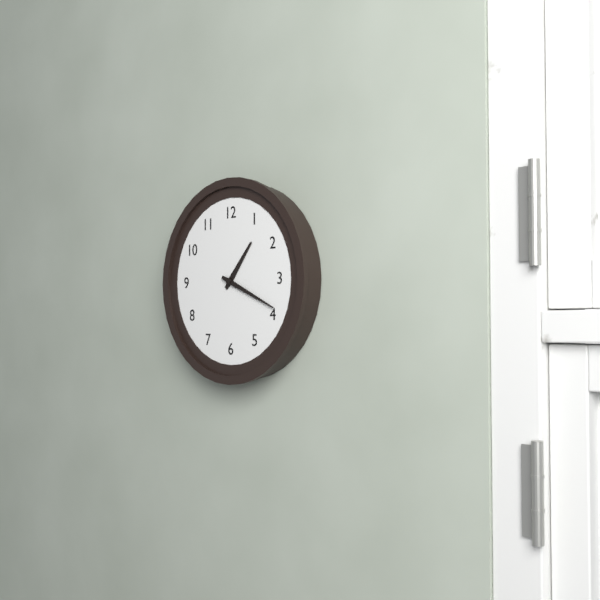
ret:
{"hour": 1, "minute": 19}
